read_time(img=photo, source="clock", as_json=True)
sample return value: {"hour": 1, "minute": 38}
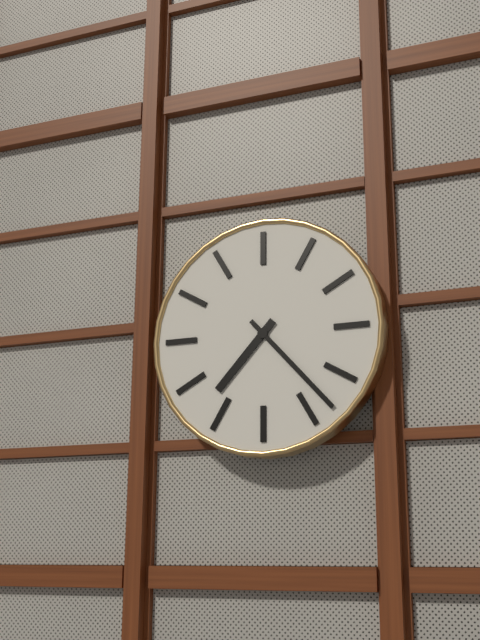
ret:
{"hour": 7, "minute": 23}
